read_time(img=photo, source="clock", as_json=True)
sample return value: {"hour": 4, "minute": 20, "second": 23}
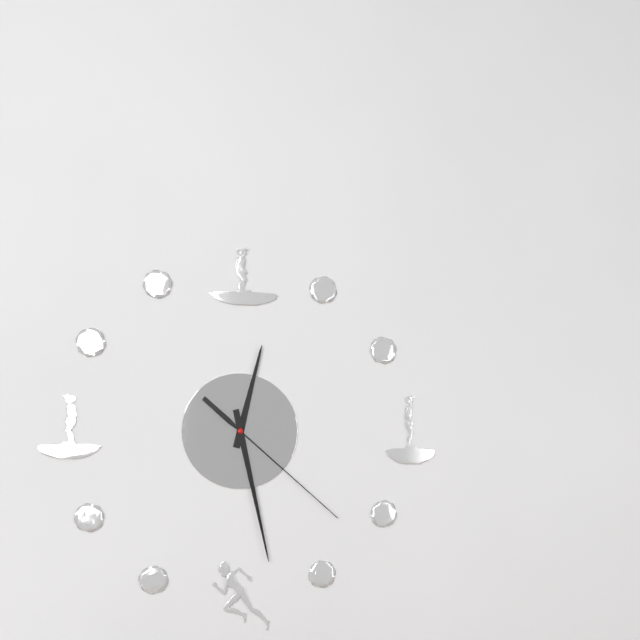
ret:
{"hour": 12, "minute": 28, "second": 22}
